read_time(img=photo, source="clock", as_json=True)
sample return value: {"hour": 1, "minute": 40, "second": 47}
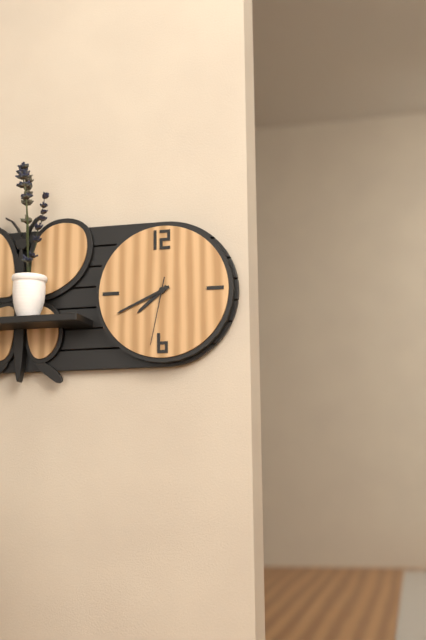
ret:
{"hour": 7, "minute": 41, "second": 32}
